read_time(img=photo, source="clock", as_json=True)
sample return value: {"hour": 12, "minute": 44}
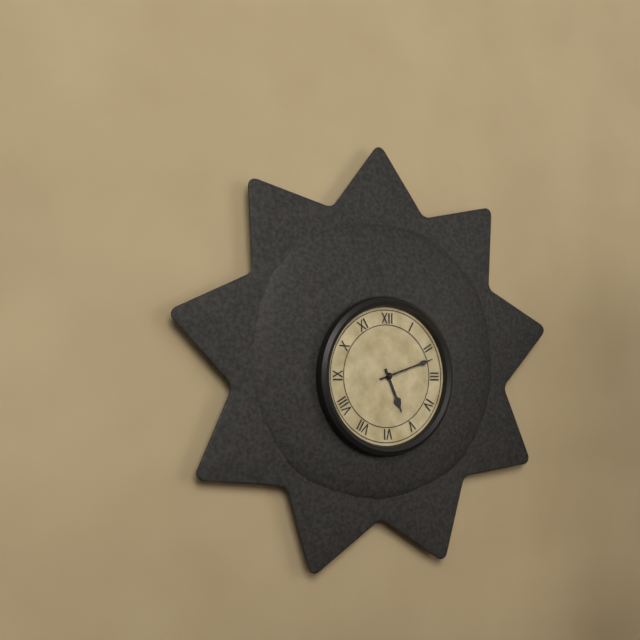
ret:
{"hour": 5, "minute": 12}
